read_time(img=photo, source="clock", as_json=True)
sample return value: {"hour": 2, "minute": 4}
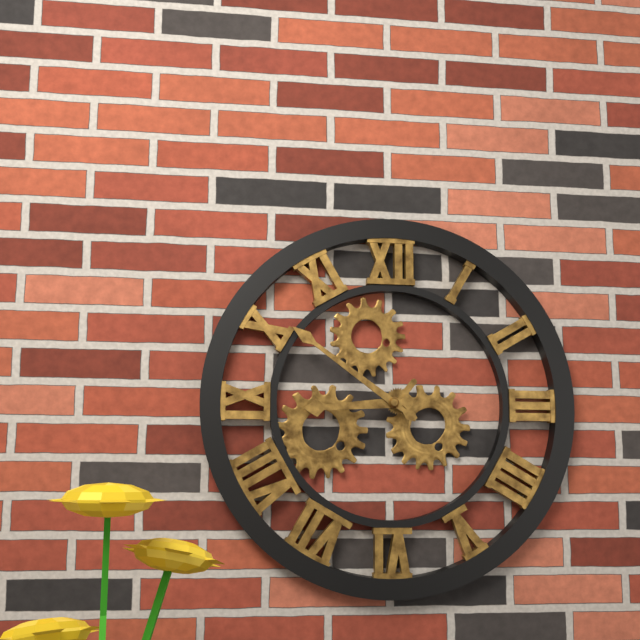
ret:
{"hour": 8, "minute": 51}
